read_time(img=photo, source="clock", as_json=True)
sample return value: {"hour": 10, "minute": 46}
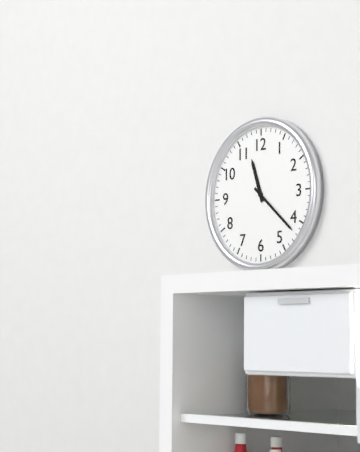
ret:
{"hour": 11, "minute": 22}
